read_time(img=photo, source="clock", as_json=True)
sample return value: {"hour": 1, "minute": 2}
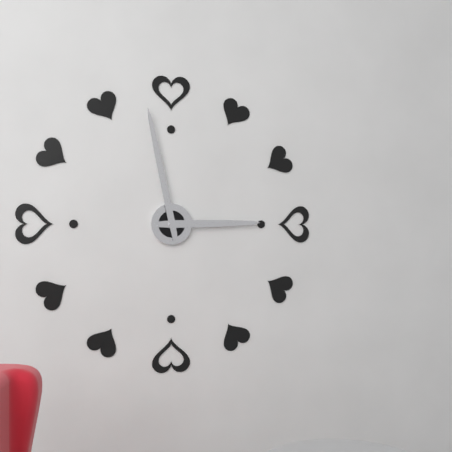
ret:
{"hour": 2, "minute": 58}
